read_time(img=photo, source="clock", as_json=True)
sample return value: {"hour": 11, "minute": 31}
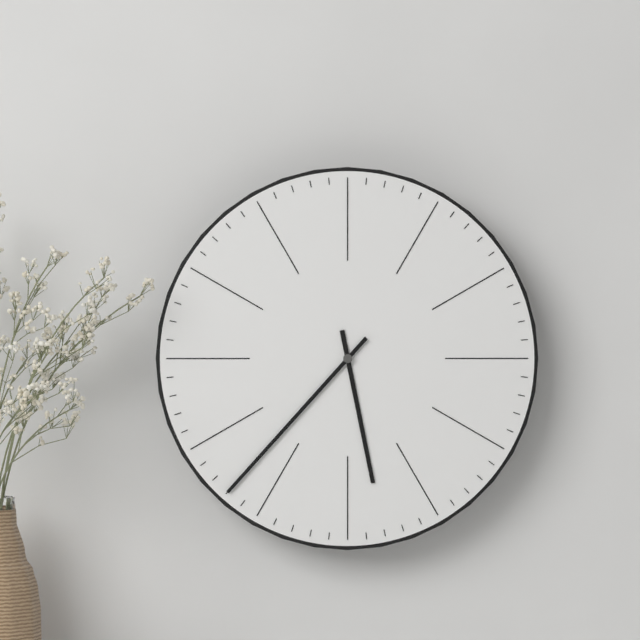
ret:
{"hour": 5, "minute": 37}
